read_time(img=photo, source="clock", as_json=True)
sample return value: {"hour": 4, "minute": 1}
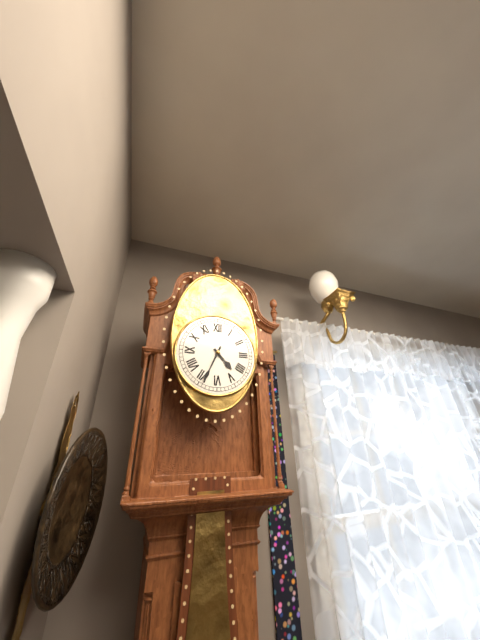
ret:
{"hour": 4, "minute": 34}
